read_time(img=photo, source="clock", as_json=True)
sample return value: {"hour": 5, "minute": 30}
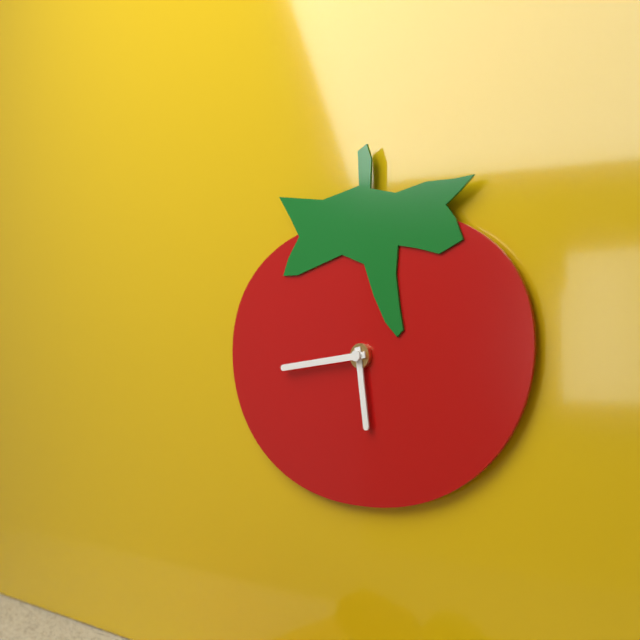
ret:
{"hour": 5, "minute": 44}
